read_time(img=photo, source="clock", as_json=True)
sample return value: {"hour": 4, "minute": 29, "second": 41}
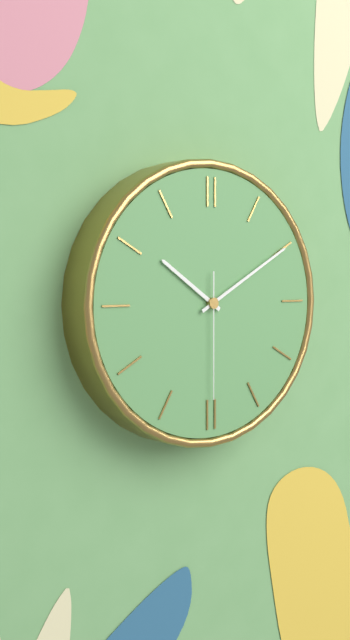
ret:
{"hour": 10, "minute": 10, "second": 30}
